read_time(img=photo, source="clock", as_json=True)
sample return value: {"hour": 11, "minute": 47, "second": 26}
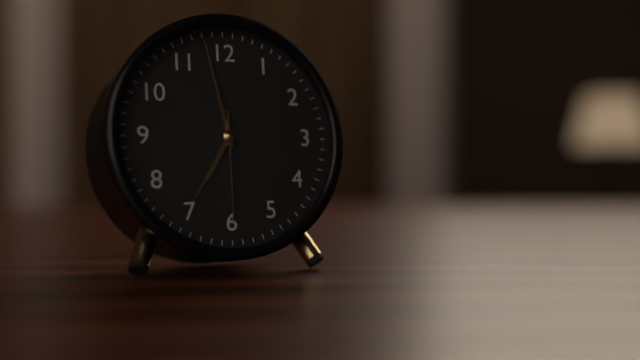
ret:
{"hour": 6, "minute": 58, "second": 30}
